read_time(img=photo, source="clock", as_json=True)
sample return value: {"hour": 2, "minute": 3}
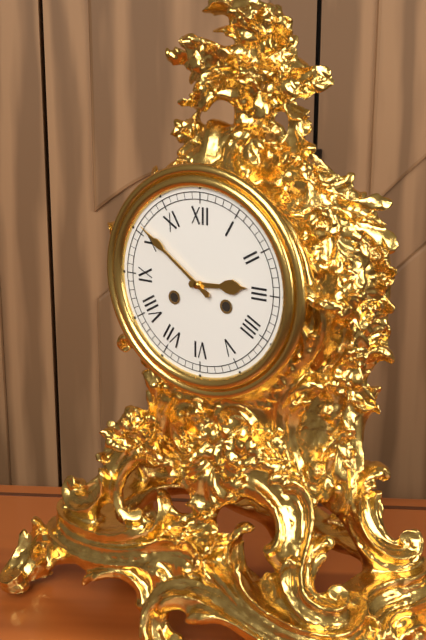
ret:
{"hour": 2, "minute": 51}
